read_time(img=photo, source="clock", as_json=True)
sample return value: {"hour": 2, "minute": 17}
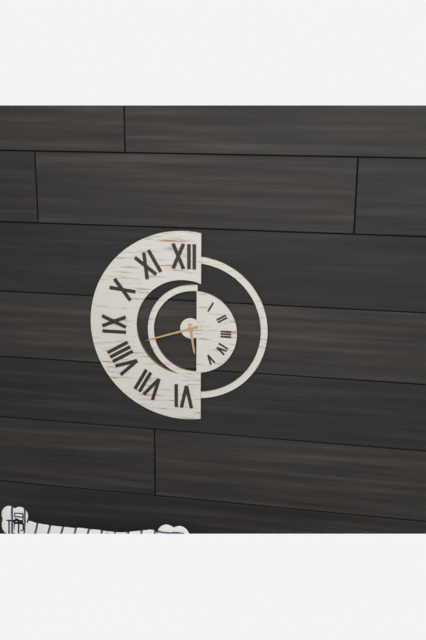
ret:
{"hour": 5, "minute": 42}
